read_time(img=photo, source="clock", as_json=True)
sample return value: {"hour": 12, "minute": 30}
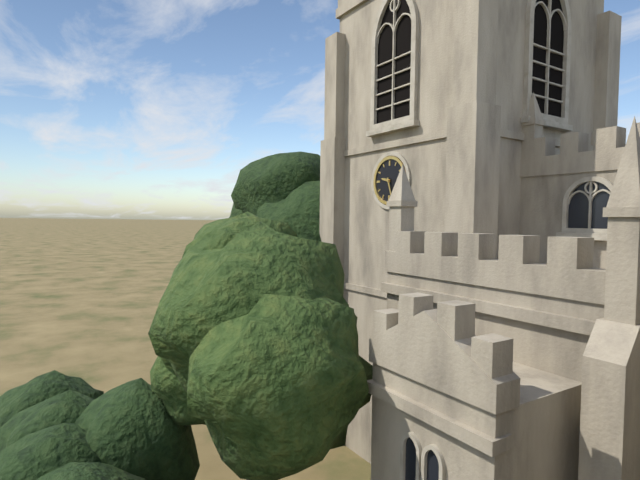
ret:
{"hour": 9, "minute": 27}
